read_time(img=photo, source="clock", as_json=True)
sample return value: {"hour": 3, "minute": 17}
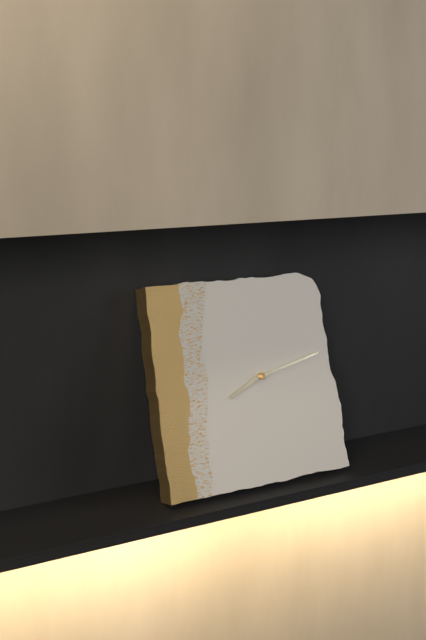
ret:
{"hour": 8, "minute": 13}
